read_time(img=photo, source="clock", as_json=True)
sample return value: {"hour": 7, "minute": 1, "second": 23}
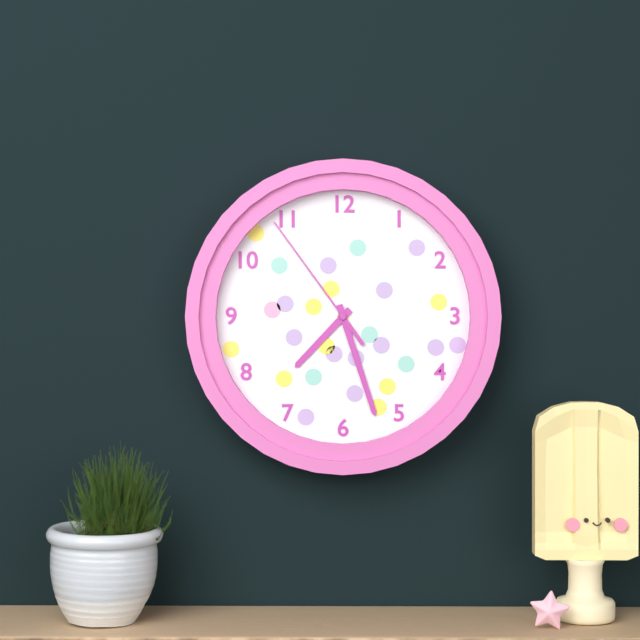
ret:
{"hour": 7, "minute": 27, "second": 54}
